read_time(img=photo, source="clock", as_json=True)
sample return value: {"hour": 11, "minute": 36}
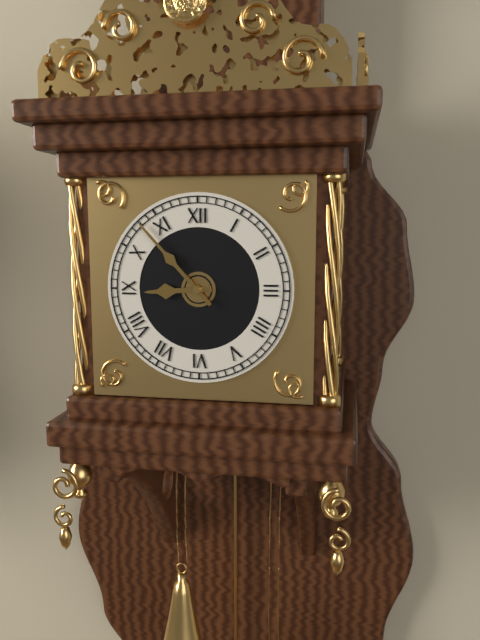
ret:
{"hour": 8, "minute": 53}
